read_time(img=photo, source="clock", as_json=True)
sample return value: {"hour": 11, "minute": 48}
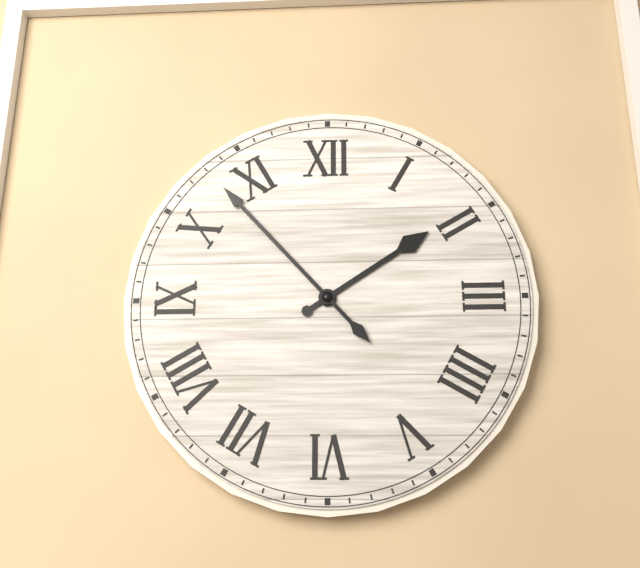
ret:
{"hour": 1, "minute": 53}
